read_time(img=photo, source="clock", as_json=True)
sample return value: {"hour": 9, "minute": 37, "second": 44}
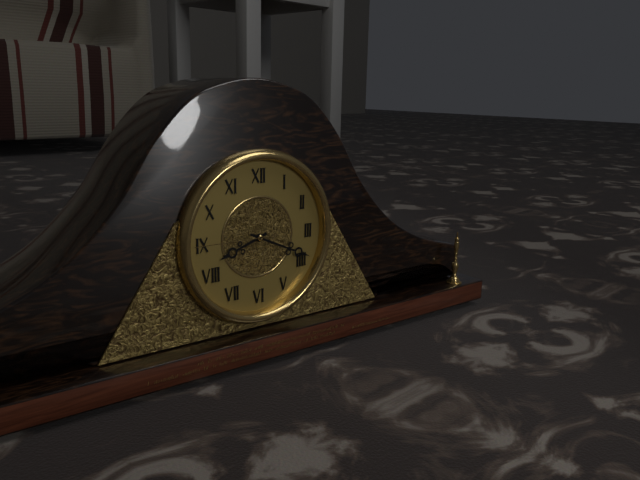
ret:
{"hour": 8, "minute": 19, "second": 45}
